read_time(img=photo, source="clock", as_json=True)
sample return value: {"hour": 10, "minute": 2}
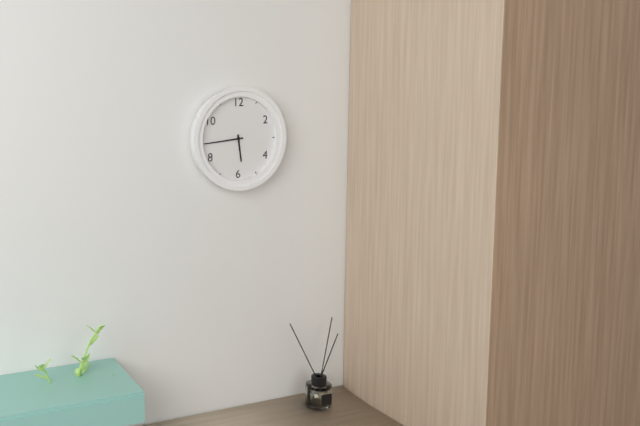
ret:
{"hour": 5, "minute": 44}
